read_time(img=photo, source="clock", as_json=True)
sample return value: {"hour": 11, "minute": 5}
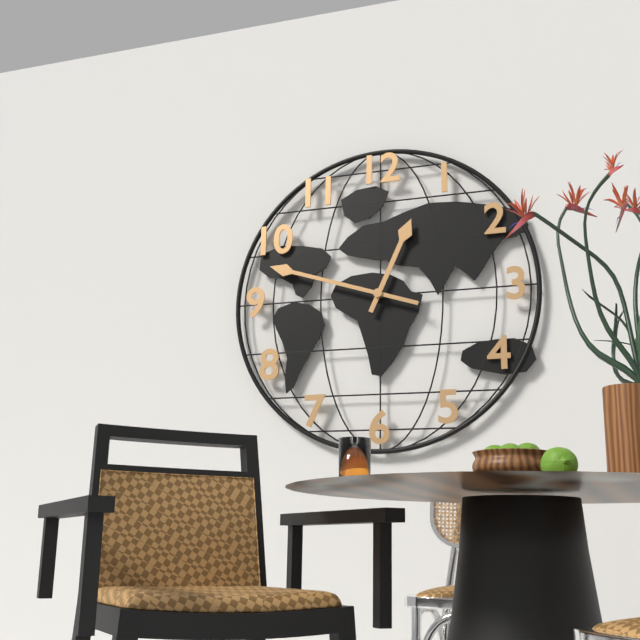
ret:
{"hour": 12, "minute": 48}
